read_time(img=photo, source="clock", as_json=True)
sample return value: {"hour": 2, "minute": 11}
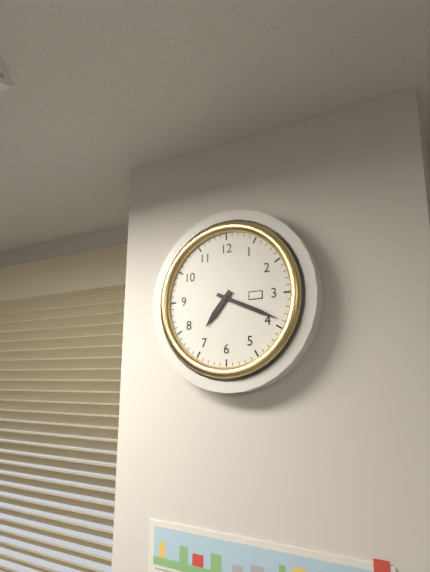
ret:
{"hour": 7, "minute": 19}
